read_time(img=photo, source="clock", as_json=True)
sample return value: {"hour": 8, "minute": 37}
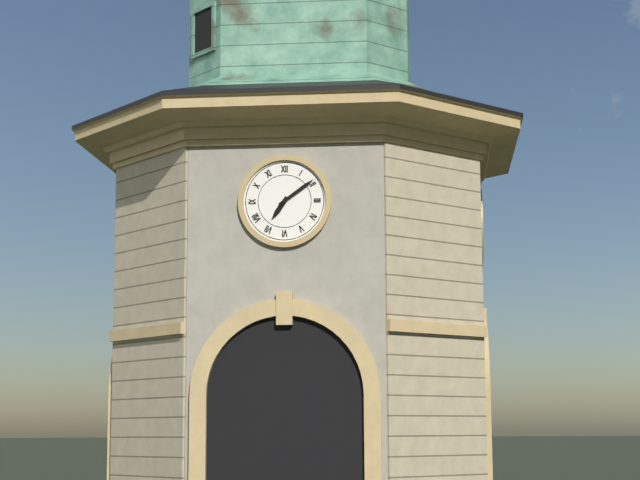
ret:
{"hour": 7, "minute": 9}
